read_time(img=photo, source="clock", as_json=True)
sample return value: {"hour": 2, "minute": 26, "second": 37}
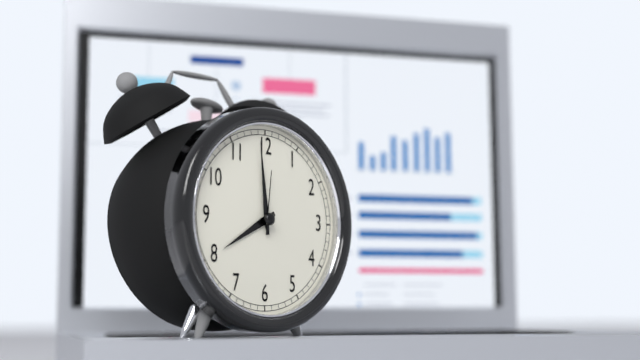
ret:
{"hour": 7, "minute": 59, "second": 1}
